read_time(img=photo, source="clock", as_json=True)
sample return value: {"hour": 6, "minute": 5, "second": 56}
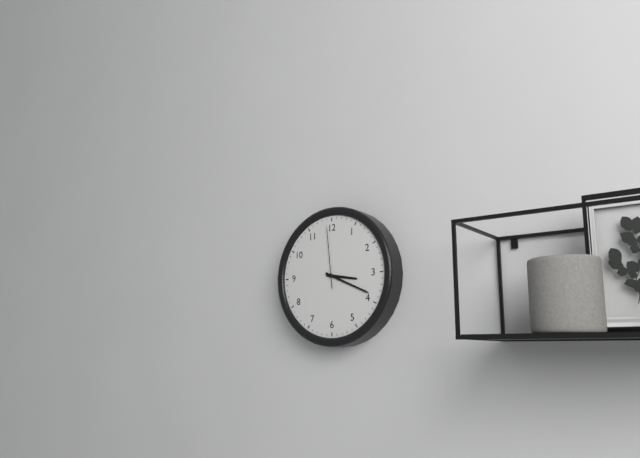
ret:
{"hour": 3, "minute": 19, "second": 59}
